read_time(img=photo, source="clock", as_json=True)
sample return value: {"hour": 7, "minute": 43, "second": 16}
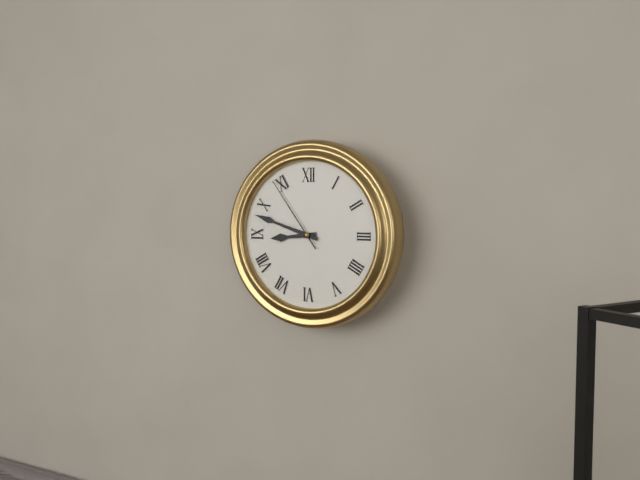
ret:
{"hour": 8, "minute": 48, "second": 54}
